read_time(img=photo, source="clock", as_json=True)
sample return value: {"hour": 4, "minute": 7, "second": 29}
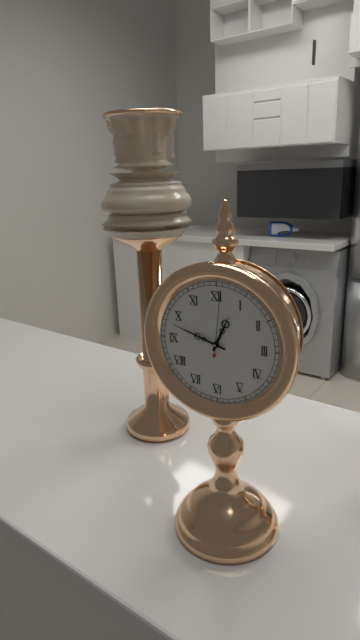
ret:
{"hour": 12, "minute": 48, "second": 1}
